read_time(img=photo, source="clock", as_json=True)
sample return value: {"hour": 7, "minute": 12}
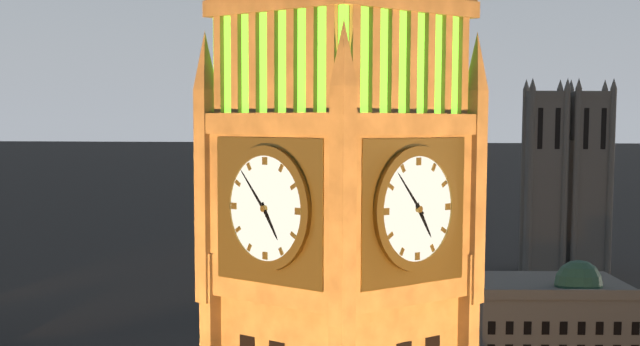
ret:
{"hour": 4, "minute": 53}
